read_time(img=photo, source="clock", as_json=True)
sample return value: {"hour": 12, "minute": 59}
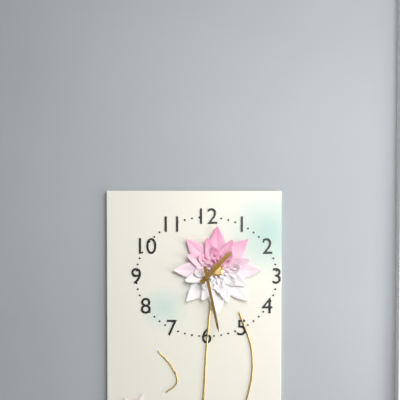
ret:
{"hour": 1, "minute": 28}
